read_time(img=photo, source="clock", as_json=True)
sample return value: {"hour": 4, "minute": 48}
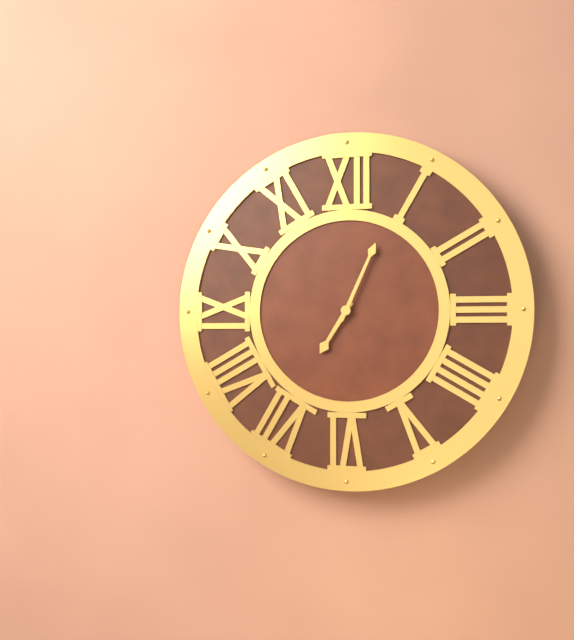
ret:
{"hour": 7, "minute": 4}
